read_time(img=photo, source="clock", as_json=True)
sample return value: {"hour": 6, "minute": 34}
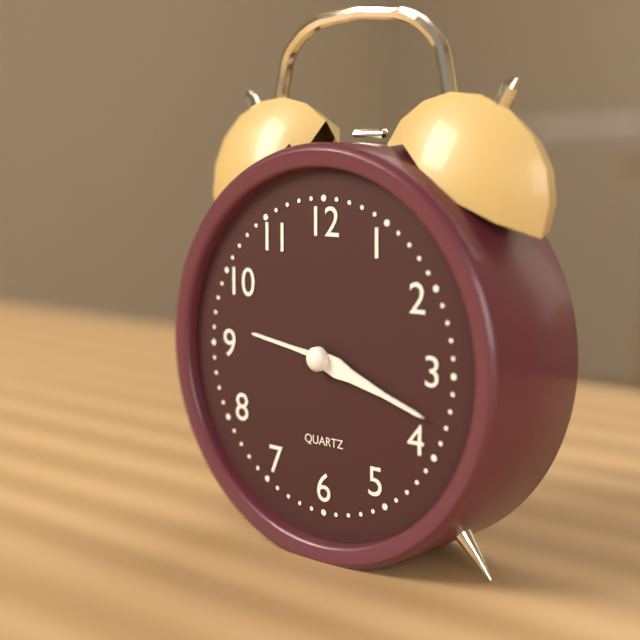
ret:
{"hour": 9, "minute": 18}
